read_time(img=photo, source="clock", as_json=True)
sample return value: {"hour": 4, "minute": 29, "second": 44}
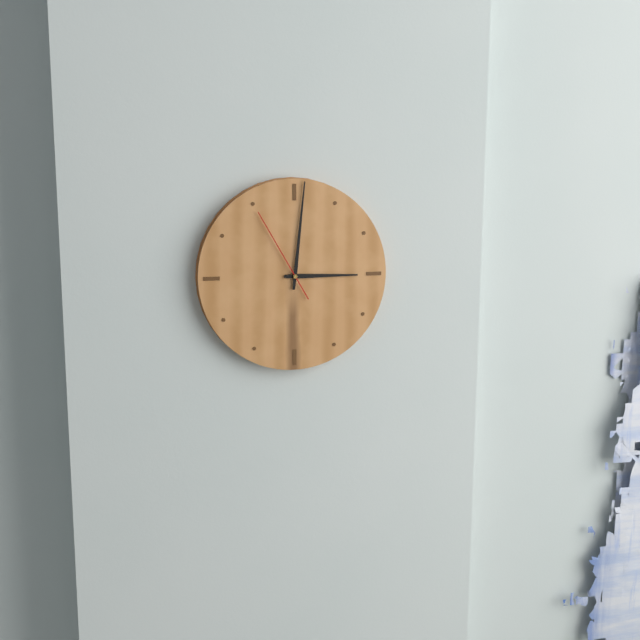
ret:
{"hour": 3, "minute": 1, "second": 55}
